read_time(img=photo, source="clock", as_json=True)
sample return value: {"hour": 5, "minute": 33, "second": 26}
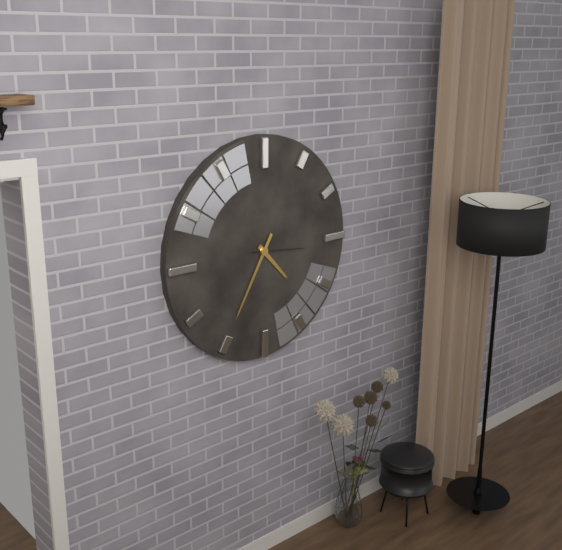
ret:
{"hour": 4, "minute": 35, "second": 16}
